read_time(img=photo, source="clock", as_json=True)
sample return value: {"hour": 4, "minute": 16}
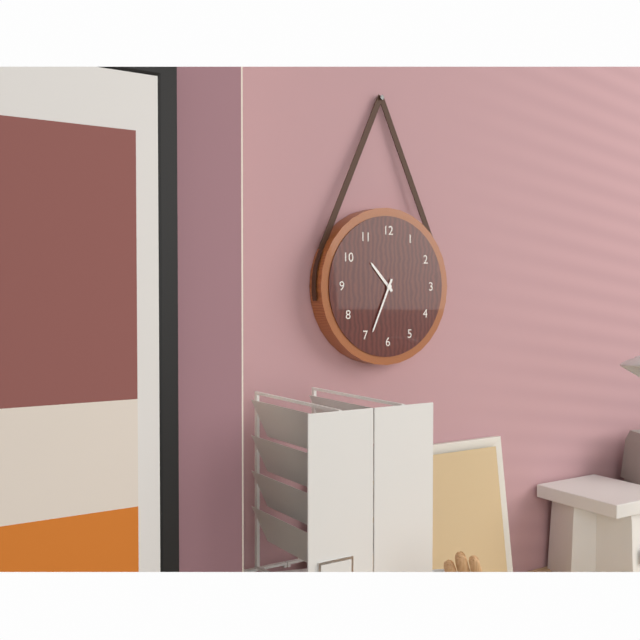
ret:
{"hour": 10, "minute": 34}
